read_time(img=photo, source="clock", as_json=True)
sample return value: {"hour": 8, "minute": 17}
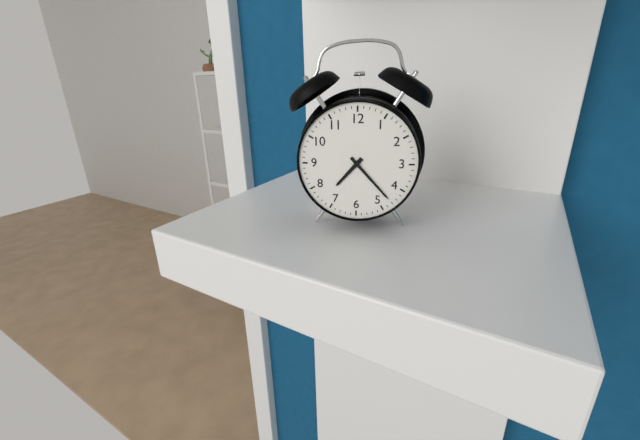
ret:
{"hour": 7, "minute": 23}
